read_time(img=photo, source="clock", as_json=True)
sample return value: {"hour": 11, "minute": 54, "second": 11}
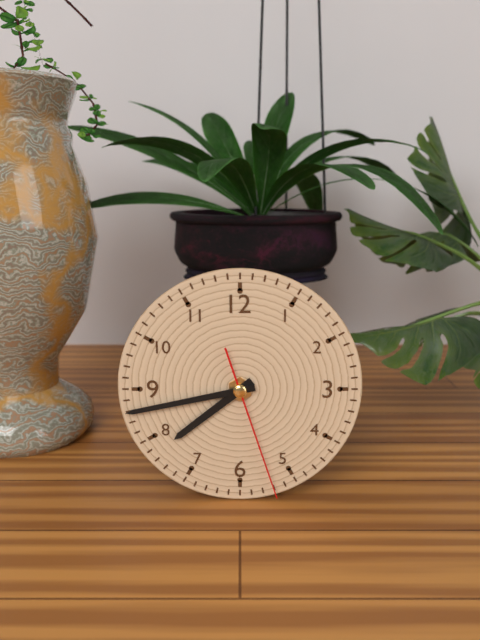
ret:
{"hour": 7, "minute": 43, "second": 27}
